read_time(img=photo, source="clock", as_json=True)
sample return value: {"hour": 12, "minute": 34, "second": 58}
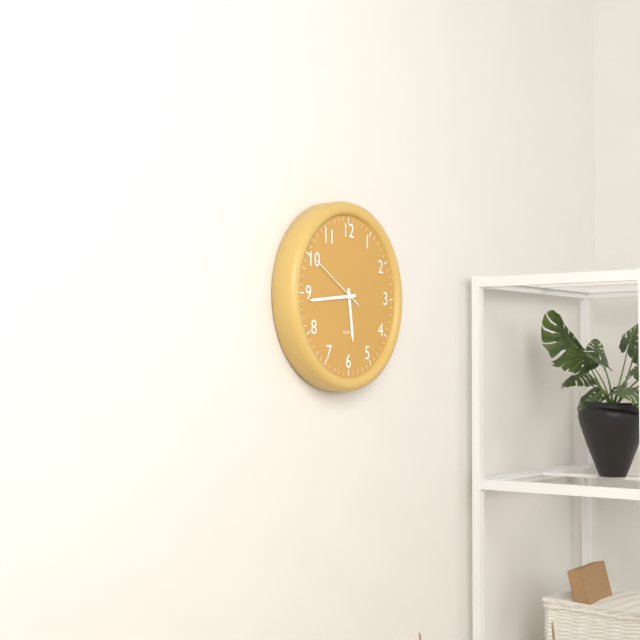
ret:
{"hour": 5, "minute": 44, "second": 50}
